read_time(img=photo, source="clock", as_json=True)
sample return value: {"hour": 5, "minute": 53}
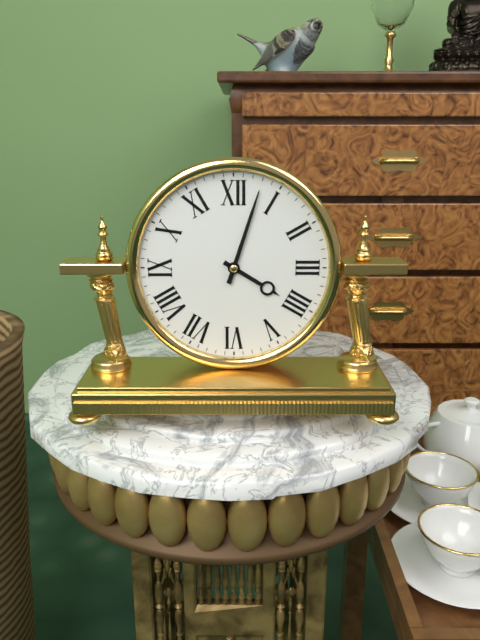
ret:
{"hour": 4, "minute": 3}
